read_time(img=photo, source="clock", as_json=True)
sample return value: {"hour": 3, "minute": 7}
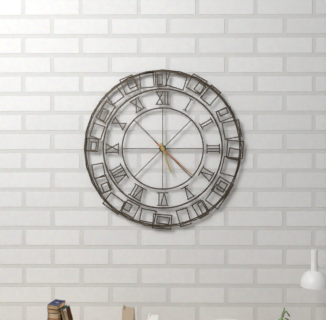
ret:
{"hour": 5, "minute": 22}
